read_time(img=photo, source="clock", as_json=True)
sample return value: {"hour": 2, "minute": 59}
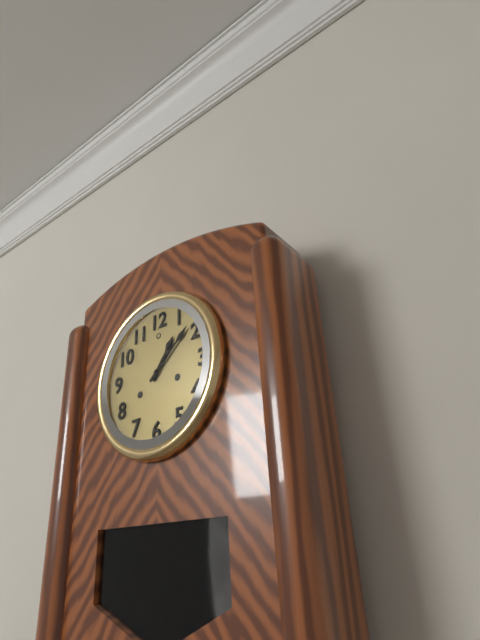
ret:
{"hour": 1, "minute": 8}
